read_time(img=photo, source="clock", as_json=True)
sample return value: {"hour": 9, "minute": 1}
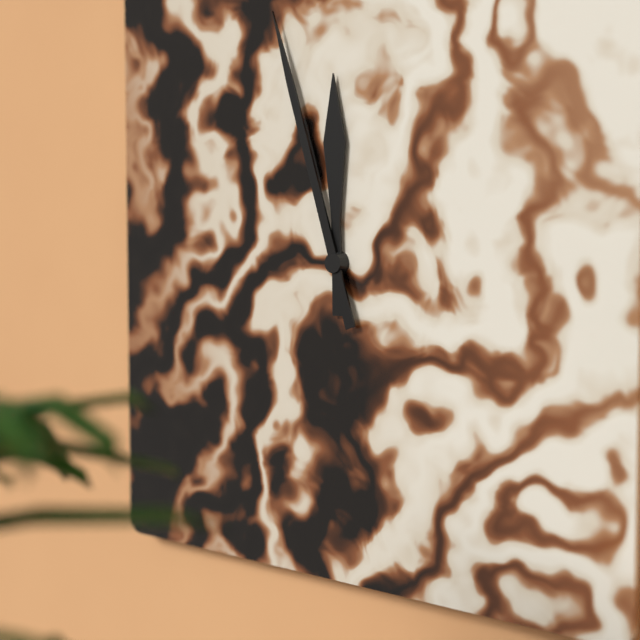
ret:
{"hour": 11, "minute": 57}
